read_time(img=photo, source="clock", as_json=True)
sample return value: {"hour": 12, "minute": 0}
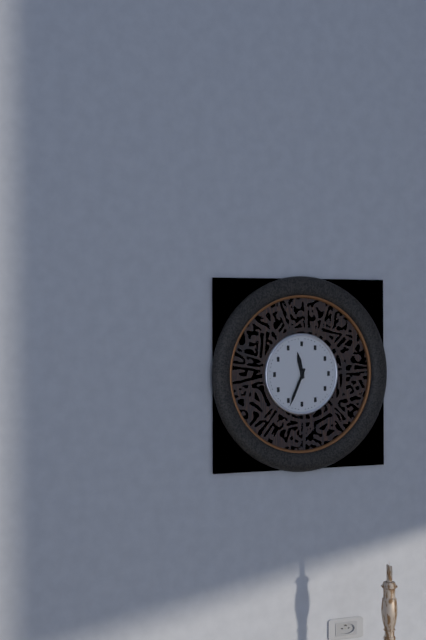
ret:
{"hour": 11, "minute": 34}
